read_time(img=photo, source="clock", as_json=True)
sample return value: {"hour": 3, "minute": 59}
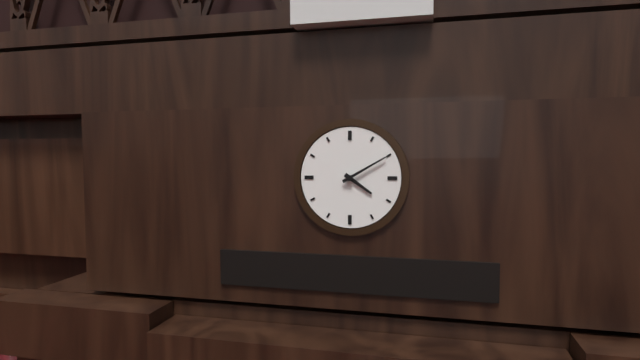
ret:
{"hour": 4, "minute": 10}
